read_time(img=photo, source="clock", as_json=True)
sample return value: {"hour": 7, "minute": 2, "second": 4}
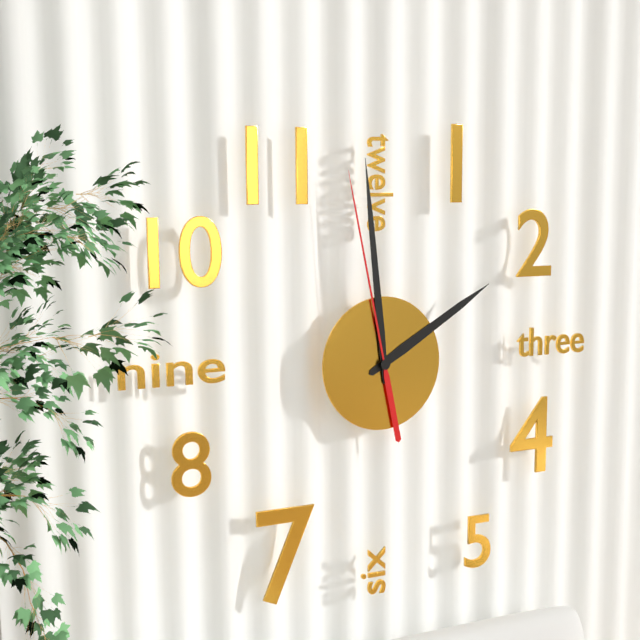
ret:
{"hour": 1, "minute": 59, "second": 58}
